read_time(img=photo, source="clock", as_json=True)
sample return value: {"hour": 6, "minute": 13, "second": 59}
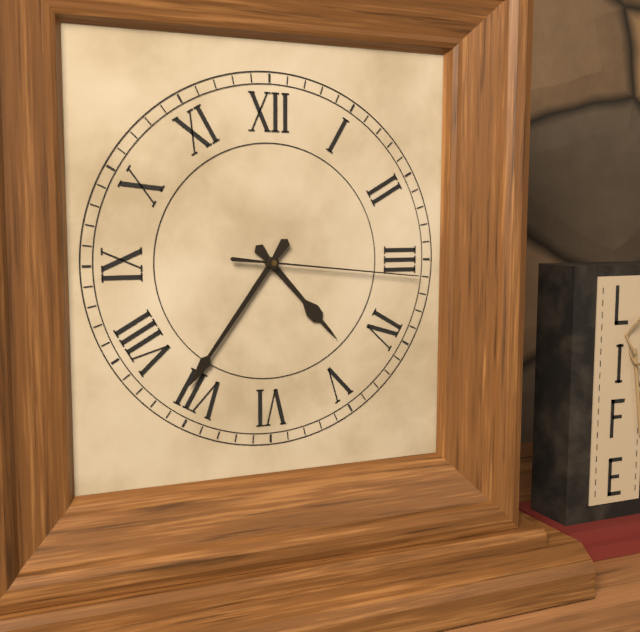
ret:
{"hour": 4, "minute": 36, "second": 16}
